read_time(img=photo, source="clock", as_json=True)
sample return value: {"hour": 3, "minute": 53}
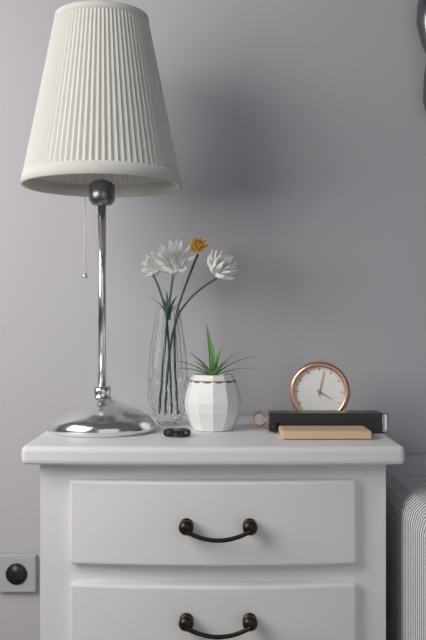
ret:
{"hour": 4, "minute": 2}
